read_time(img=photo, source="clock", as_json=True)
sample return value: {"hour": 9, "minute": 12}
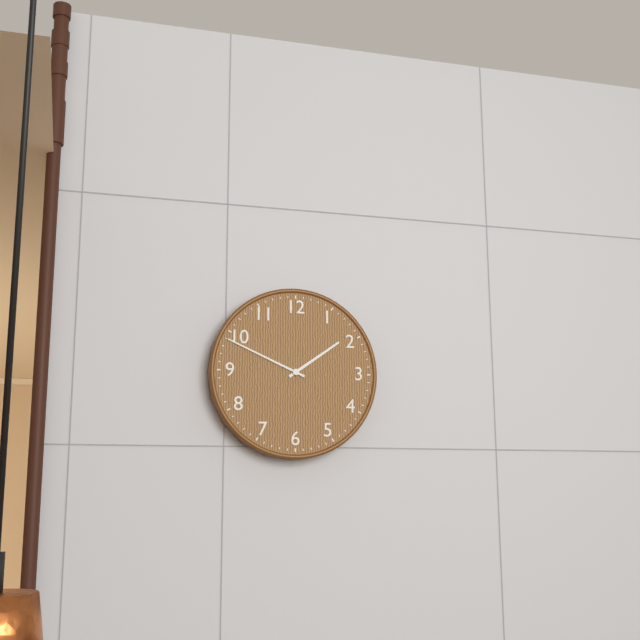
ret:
{"hour": 1, "minute": 49}
